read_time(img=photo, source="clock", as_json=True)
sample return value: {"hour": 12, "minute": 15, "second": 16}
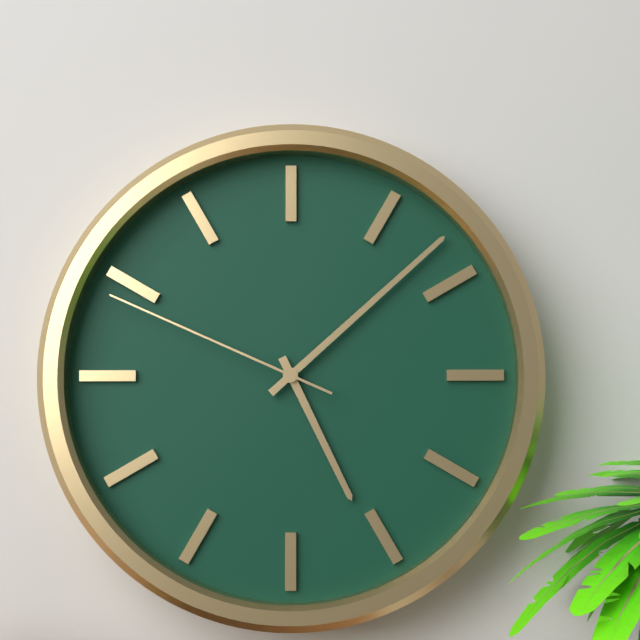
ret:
{"hour": 5, "minute": 8, "second": 49}
